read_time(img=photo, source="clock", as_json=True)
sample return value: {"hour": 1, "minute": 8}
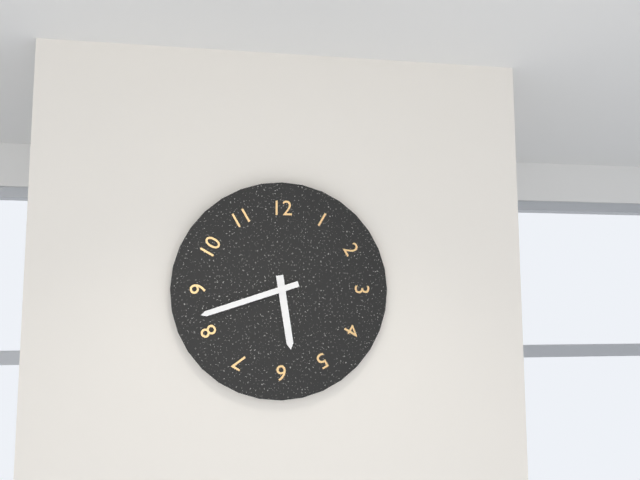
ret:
{"hour": 5, "minute": 42}
